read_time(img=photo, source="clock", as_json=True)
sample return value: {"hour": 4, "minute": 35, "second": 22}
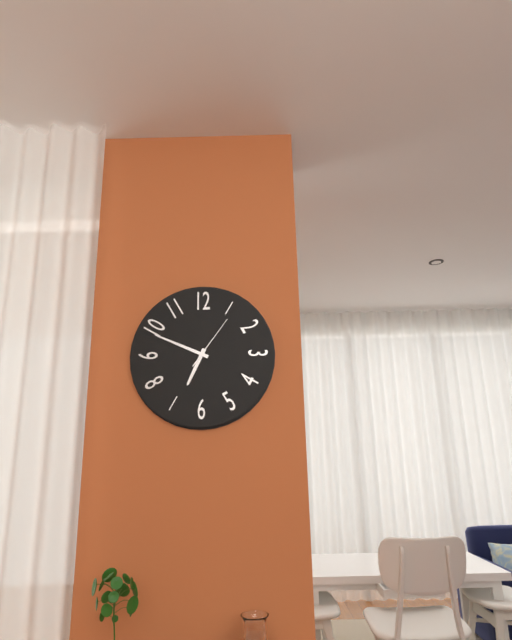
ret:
{"hour": 6, "minute": 49, "second": 6}
